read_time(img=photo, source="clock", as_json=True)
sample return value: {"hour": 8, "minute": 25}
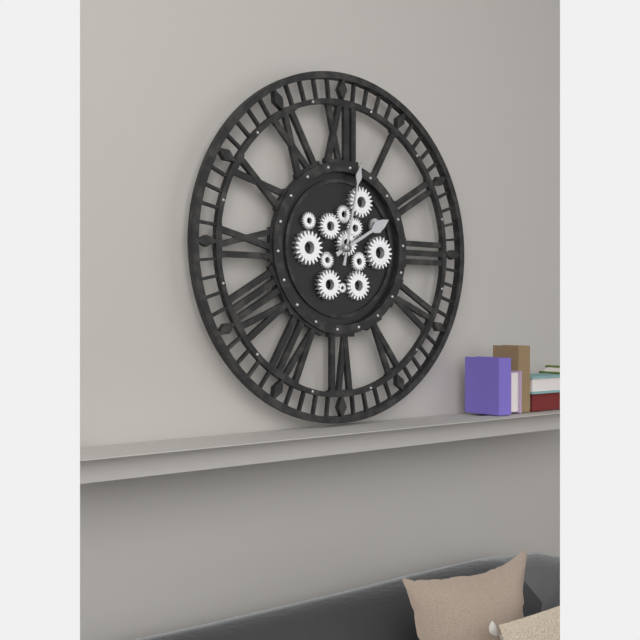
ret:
{"hour": 2, "minute": 2}
